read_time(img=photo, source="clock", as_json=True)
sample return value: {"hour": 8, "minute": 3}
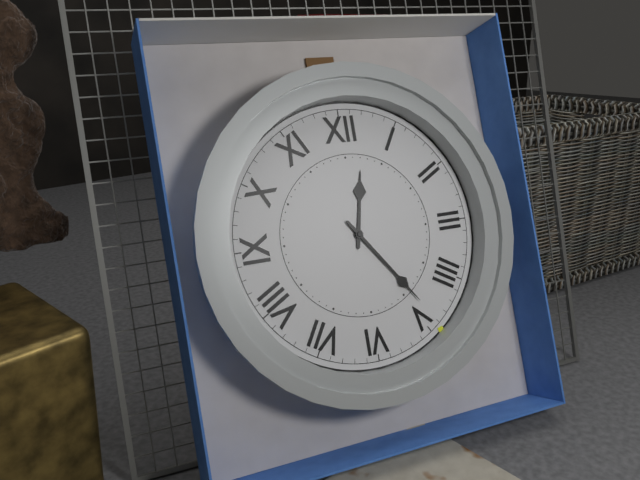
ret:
{"hour": 12, "minute": 24}
